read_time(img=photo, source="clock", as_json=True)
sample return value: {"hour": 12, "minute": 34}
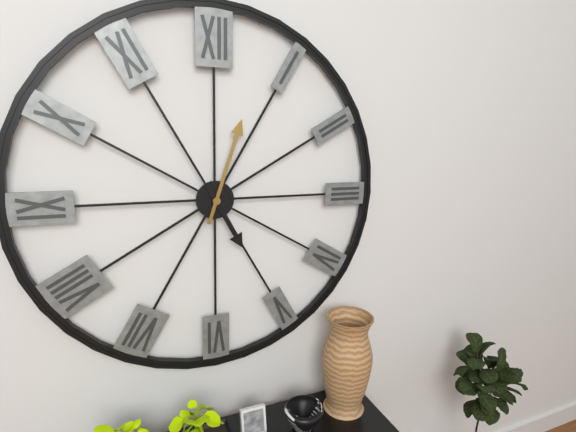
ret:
{"hour": 5, "minute": 3}
